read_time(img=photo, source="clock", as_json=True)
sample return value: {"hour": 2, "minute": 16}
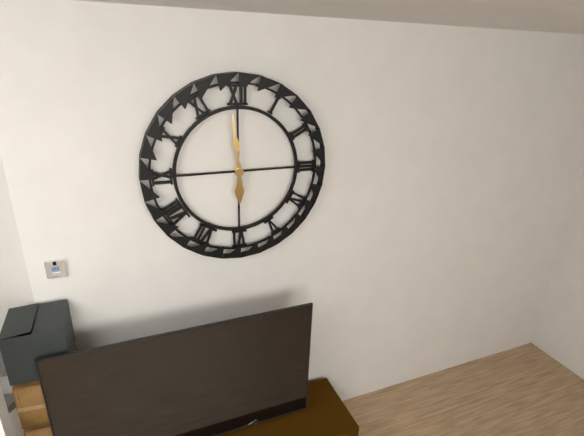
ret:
{"hour": 5, "minute": 59}
